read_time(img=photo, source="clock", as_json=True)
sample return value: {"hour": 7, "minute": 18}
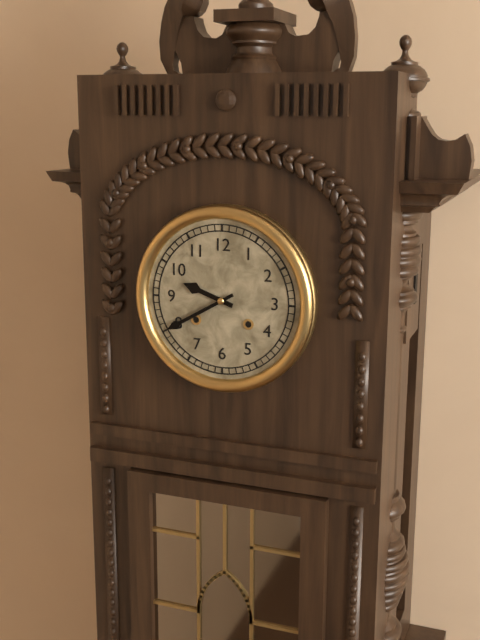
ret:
{"hour": 9, "minute": 40}
